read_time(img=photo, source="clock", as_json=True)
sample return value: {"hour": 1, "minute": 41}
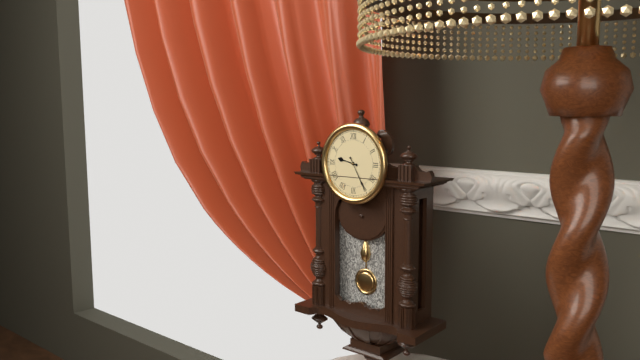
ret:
{"hour": 9, "minute": 25}
